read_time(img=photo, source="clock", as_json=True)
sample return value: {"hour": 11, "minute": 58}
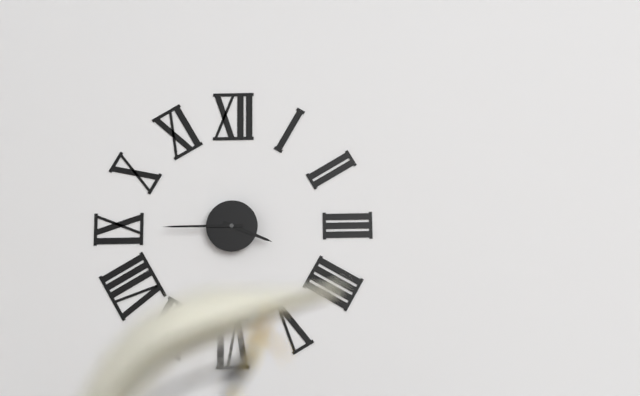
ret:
{"hour": 3, "minute": 45}
